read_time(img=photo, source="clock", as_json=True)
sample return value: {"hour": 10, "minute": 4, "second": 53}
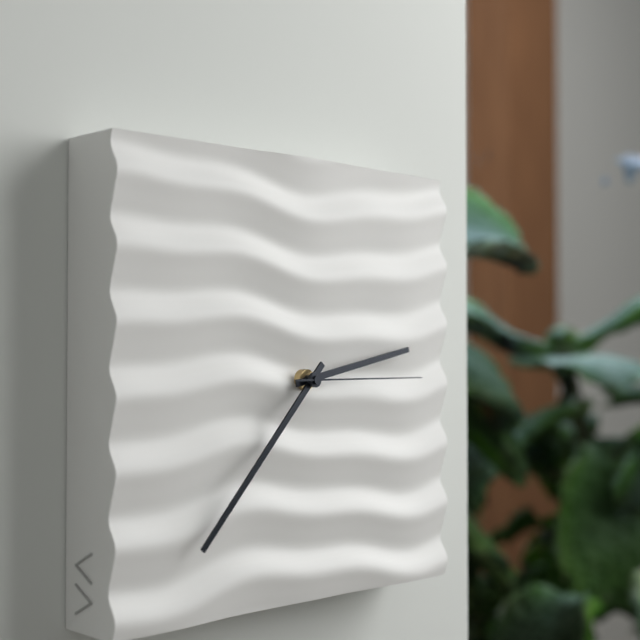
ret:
{"hour": 2, "minute": 37, "second": 15}
